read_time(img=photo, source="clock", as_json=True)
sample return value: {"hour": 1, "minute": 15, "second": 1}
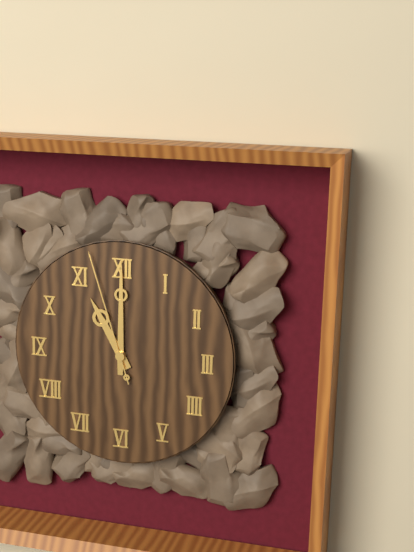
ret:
{"hour": 11, "minute": 0, "second": 57}
